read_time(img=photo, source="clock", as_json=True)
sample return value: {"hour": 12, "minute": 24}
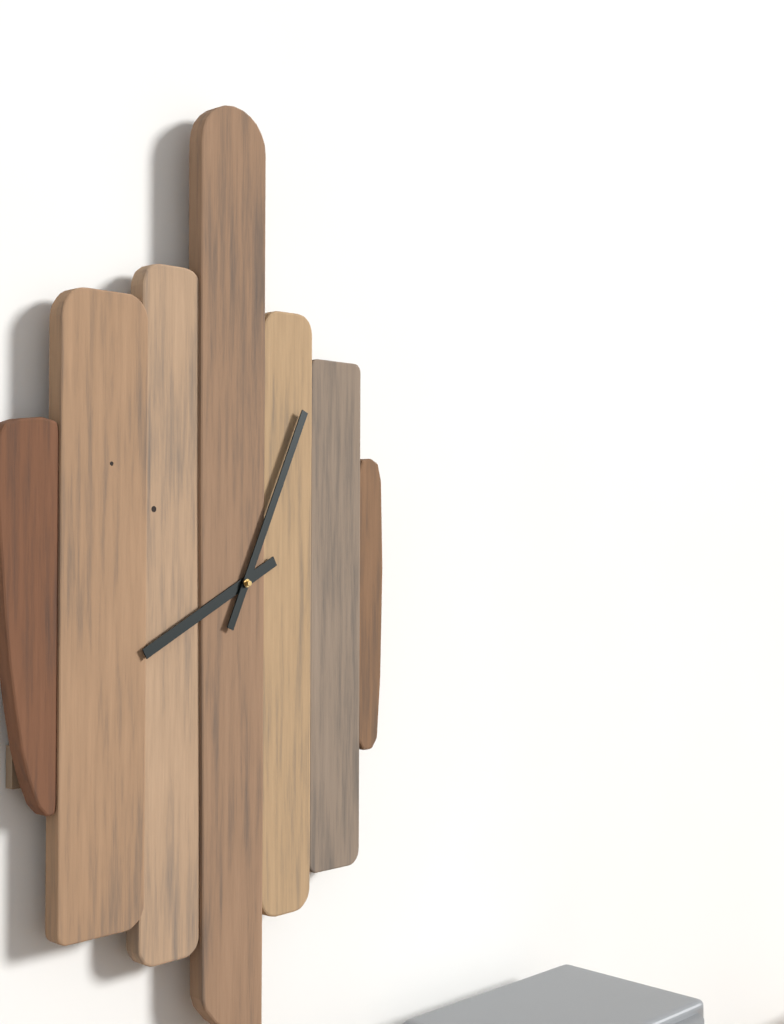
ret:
{"hour": 8, "minute": 4}
